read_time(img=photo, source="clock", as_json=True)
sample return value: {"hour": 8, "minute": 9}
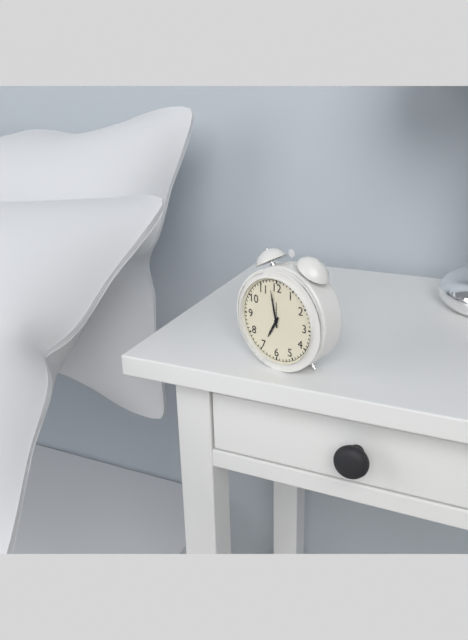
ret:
{"hour": 6, "minute": 58}
